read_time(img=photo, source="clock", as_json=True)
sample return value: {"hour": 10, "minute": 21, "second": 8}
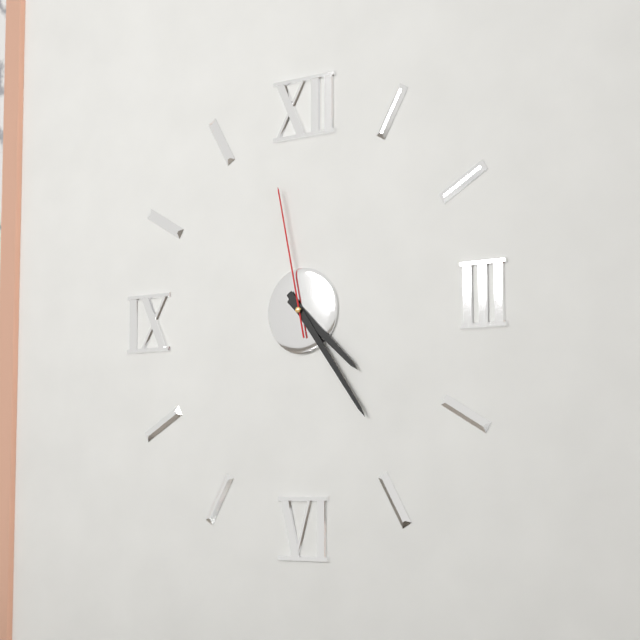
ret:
{"hour": 4, "minute": 24, "second": 58}
